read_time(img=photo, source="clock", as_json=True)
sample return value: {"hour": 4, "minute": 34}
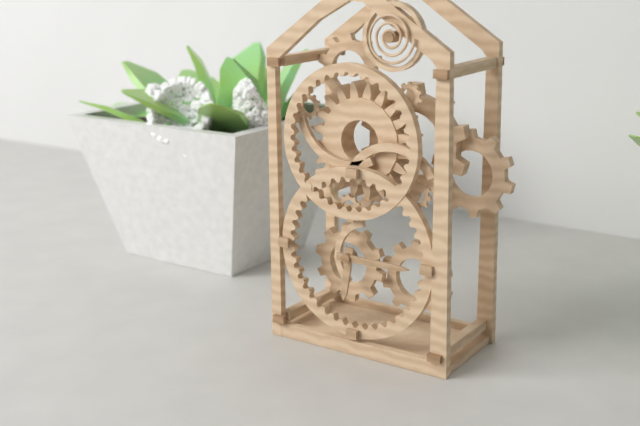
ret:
{"hour": 6, "minute": 15}
